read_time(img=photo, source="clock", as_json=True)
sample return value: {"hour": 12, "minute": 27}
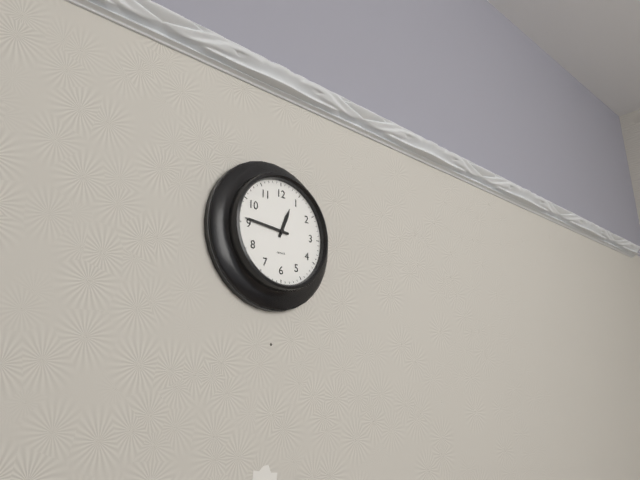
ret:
{"hour": 12, "minute": 46}
